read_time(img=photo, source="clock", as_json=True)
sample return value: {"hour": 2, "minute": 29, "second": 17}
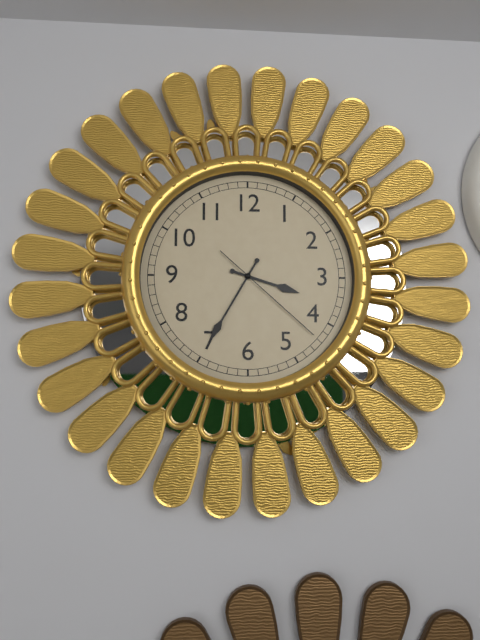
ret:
{"hour": 3, "minute": 35, "second": 22}
